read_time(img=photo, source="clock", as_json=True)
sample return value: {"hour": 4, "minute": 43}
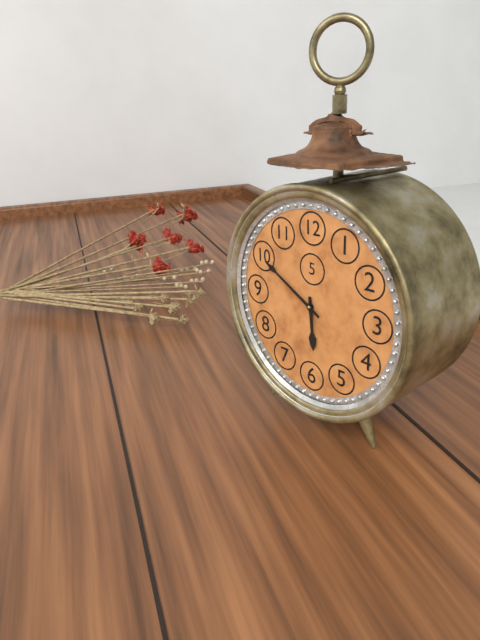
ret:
{"hour": 5, "minute": 50}
